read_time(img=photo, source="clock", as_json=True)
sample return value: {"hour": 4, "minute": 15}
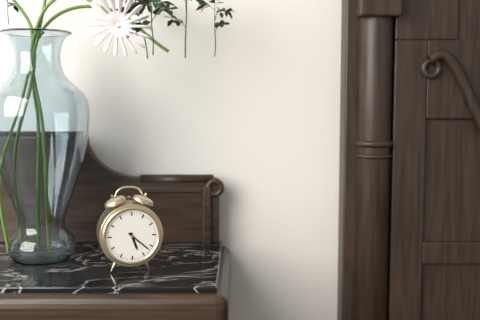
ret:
{"hour": 5, "minute": 22}
